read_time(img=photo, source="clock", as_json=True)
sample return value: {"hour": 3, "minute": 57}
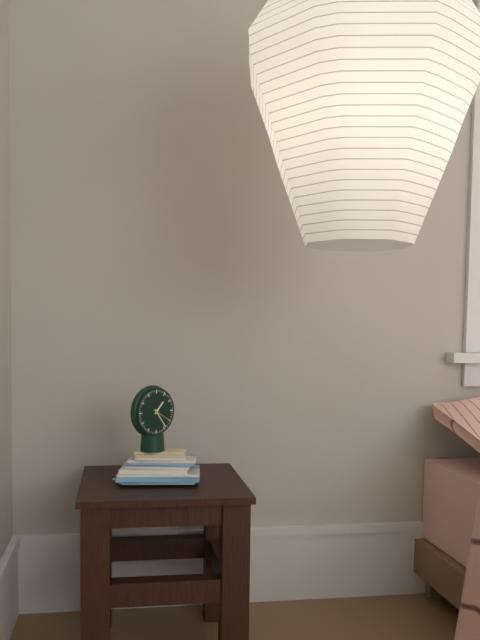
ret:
{"hour": 1, "minute": 24}
